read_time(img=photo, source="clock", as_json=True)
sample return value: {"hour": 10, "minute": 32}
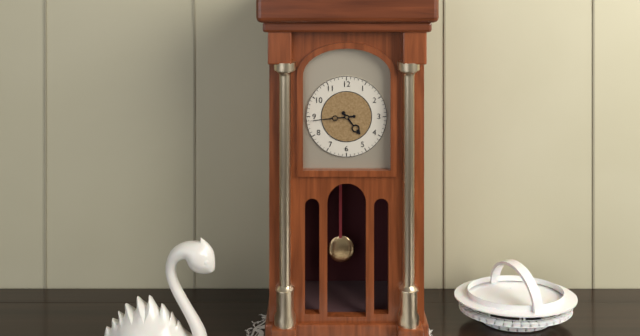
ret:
{"hour": 4, "minute": 44}
